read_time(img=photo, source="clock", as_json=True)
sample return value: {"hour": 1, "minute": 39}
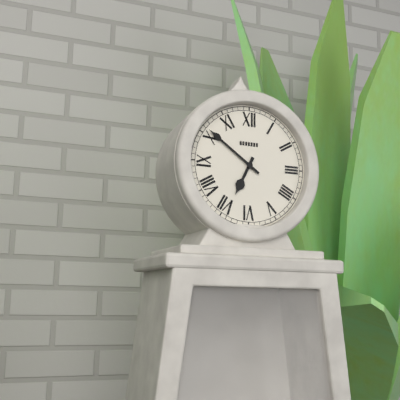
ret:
{"hour": 6, "minute": 51}
